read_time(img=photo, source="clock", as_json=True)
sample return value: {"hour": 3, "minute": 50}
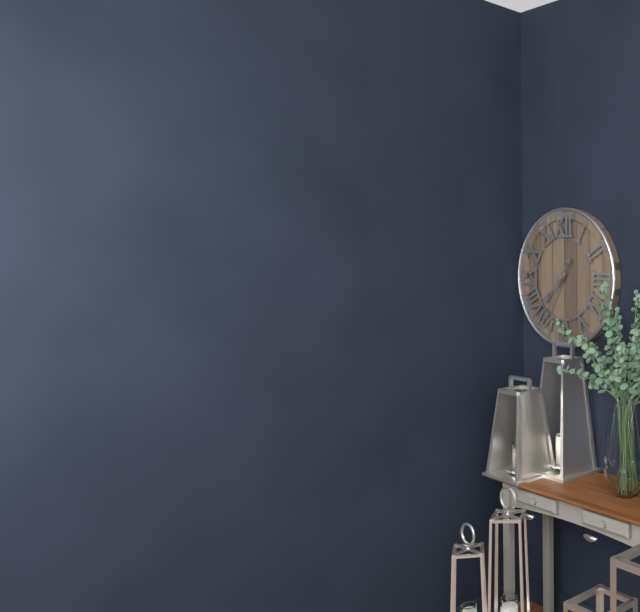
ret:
{"hour": 7, "minute": 35}
